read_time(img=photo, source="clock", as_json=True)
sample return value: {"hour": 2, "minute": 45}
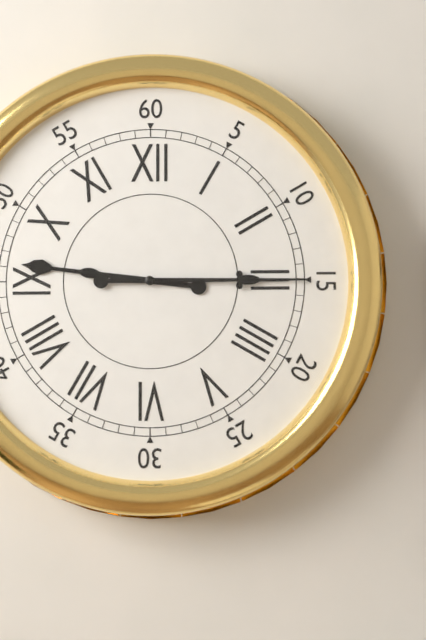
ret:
{"hour": 9, "minute": 15}
